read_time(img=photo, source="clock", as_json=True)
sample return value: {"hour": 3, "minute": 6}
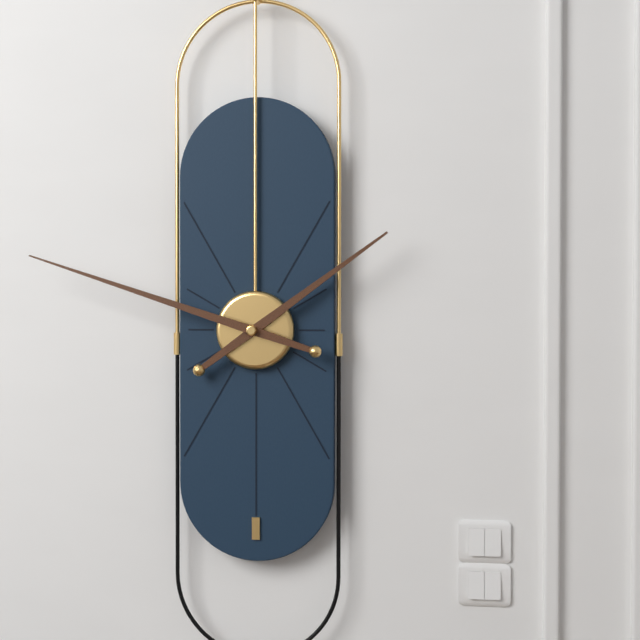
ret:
{"hour": 1, "minute": 48}
